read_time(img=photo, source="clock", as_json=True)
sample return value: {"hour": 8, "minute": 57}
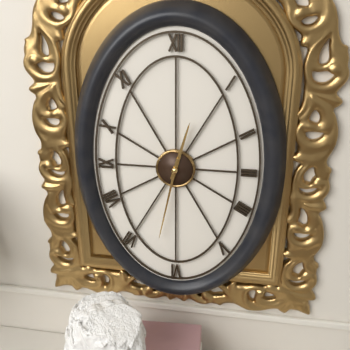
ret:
{"hour": 12, "minute": 32}
